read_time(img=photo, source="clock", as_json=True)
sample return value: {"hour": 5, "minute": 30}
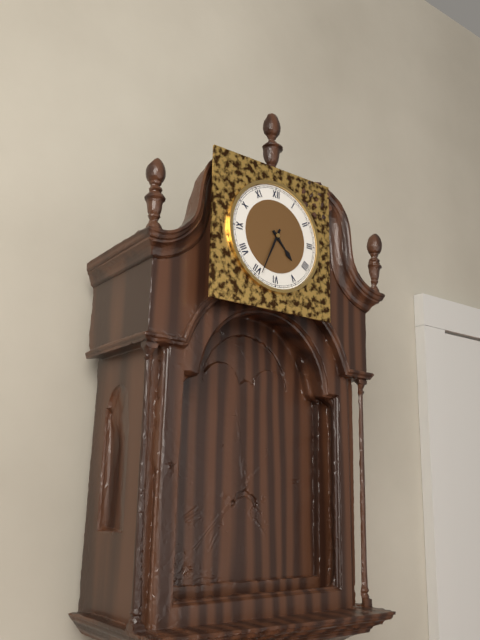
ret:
{"hour": 4, "minute": 34}
